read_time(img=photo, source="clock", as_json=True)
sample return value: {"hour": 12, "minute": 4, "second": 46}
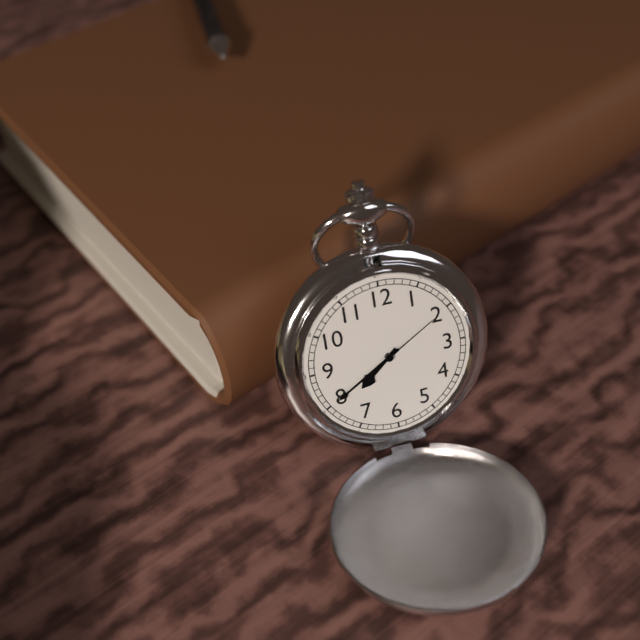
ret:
{"hour": 7, "minute": 40, "second": 10}
